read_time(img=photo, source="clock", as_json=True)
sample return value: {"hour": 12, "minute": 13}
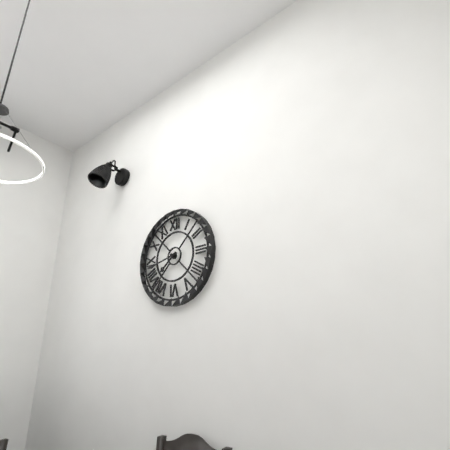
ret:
{"hour": 7, "minute": 43}
